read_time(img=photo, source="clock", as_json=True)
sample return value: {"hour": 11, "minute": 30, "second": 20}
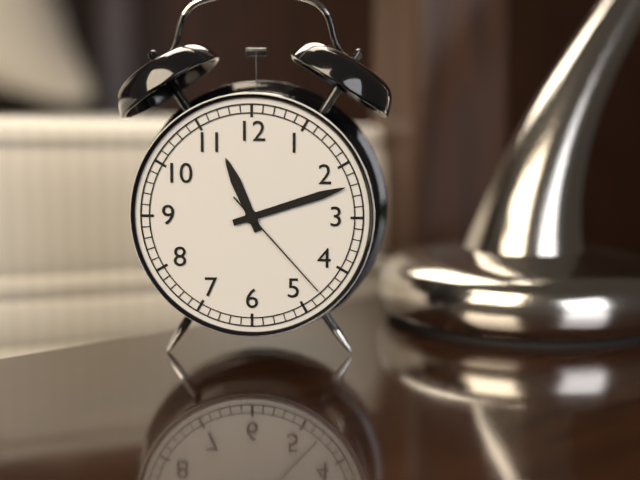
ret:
{"hour": 11, "minute": 12, "second": 23}
